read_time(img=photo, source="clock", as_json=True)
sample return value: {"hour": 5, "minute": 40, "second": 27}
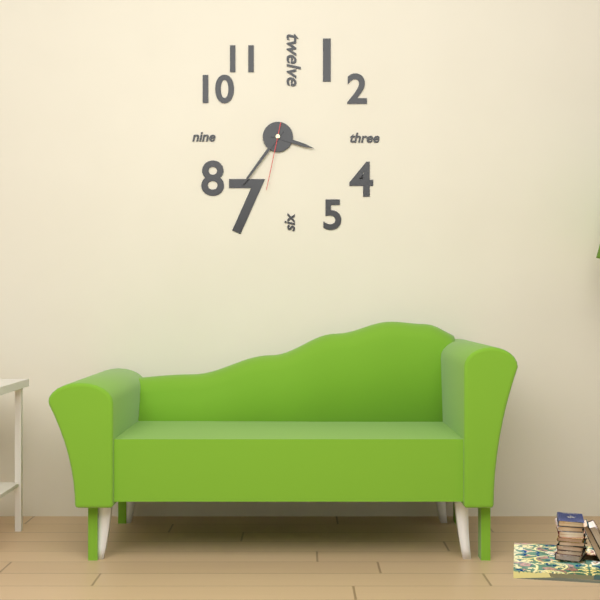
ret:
{"hour": 3, "minute": 36, "second": 32}
